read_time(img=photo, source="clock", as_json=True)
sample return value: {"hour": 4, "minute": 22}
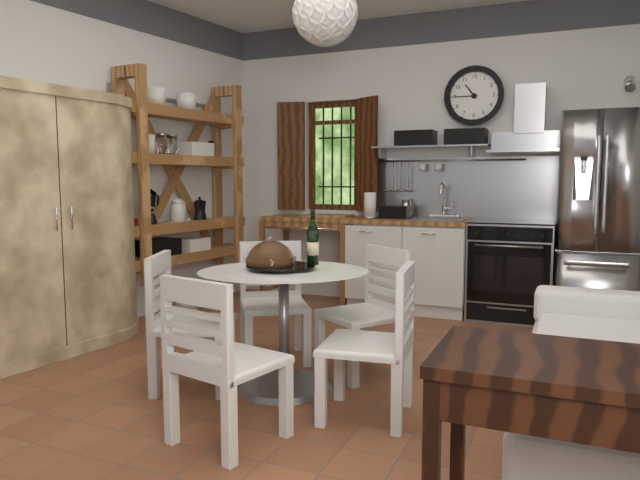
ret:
{"hour": 10, "minute": 45}
